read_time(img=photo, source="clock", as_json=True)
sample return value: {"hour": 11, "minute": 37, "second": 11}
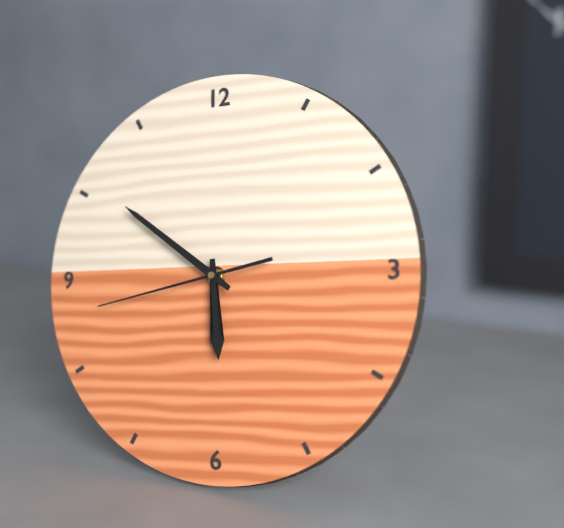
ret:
{"hour": 5, "minute": 51, "second": 43}
